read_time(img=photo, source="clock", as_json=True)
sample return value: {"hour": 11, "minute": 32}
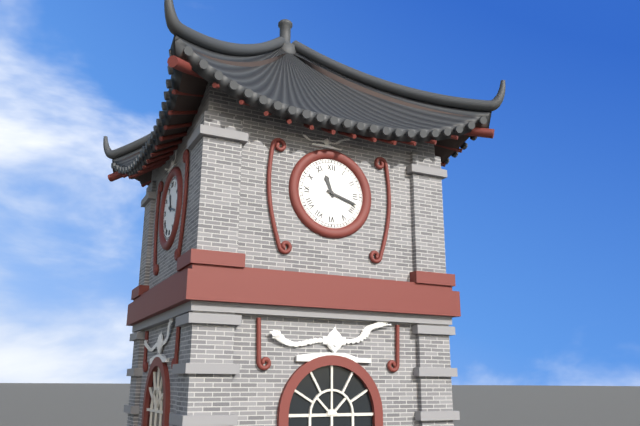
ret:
{"hour": 11, "minute": 18}
